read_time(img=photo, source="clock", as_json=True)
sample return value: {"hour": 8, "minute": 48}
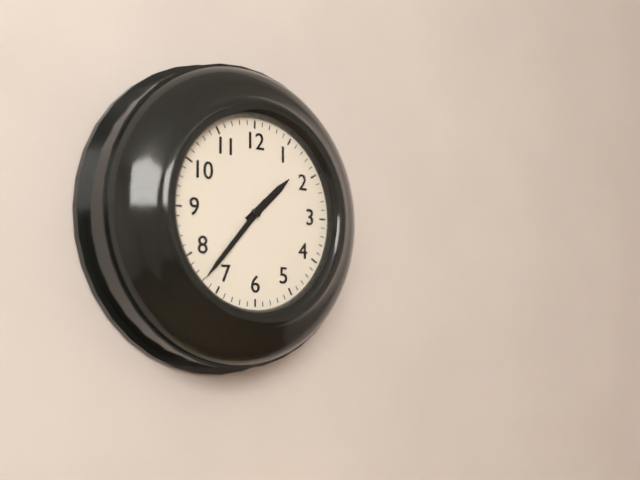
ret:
{"hour": 1, "minute": 37}
